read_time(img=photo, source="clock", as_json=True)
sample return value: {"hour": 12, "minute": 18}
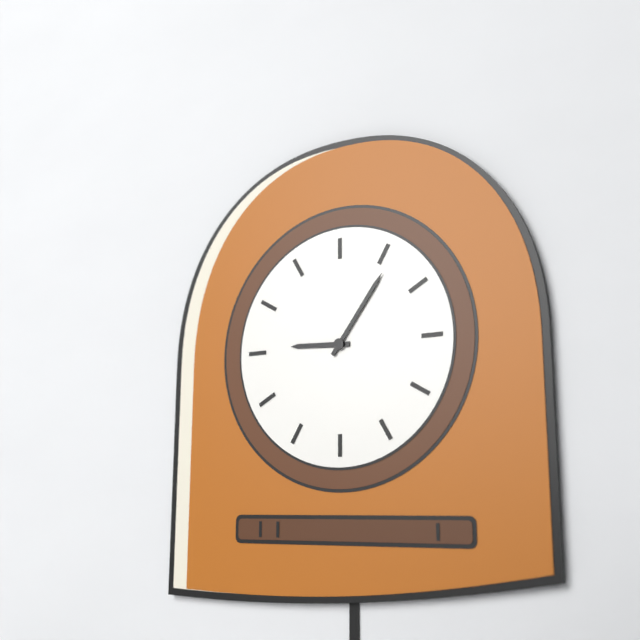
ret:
{"hour": 9, "minute": 6}
